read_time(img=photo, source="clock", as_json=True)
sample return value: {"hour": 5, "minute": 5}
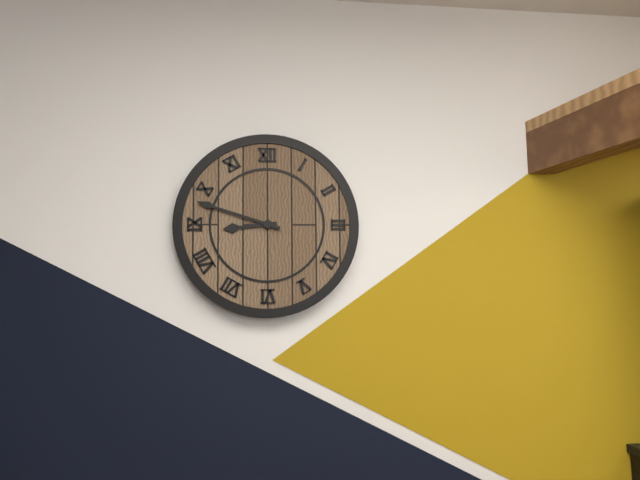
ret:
{"hour": 8, "minute": 48}
